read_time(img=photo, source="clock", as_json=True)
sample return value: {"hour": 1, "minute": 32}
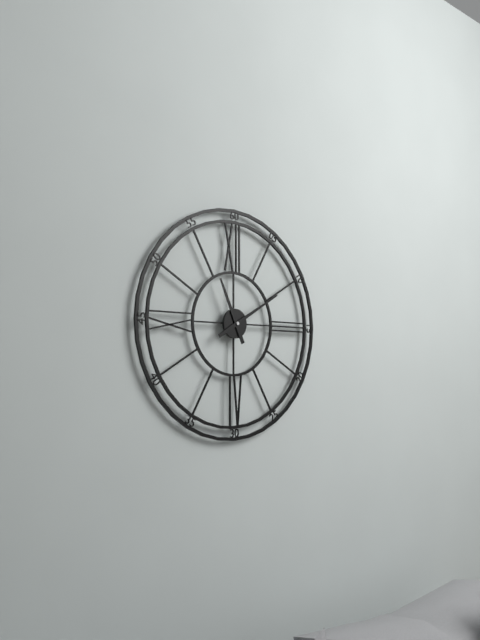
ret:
{"hour": 11, "minute": 10}
